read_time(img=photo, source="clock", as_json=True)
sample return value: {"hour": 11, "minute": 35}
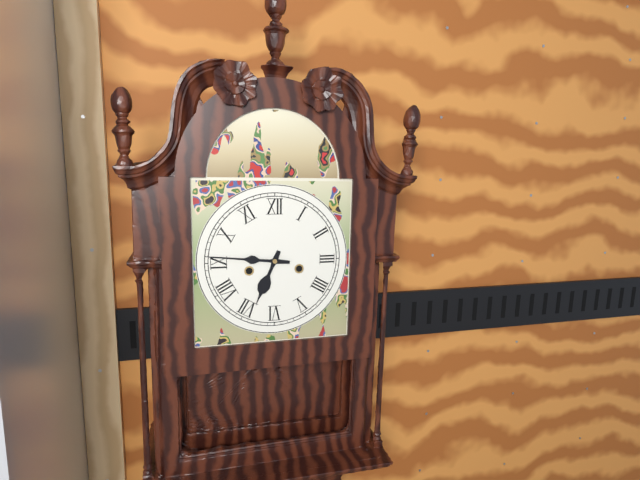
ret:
{"hour": 6, "minute": 46}
